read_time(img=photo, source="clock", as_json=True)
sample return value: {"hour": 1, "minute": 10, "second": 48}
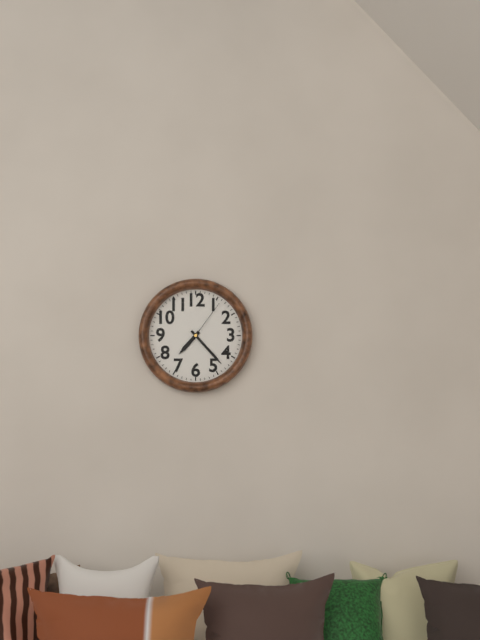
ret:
{"hour": 7, "minute": 23, "second": 6}
